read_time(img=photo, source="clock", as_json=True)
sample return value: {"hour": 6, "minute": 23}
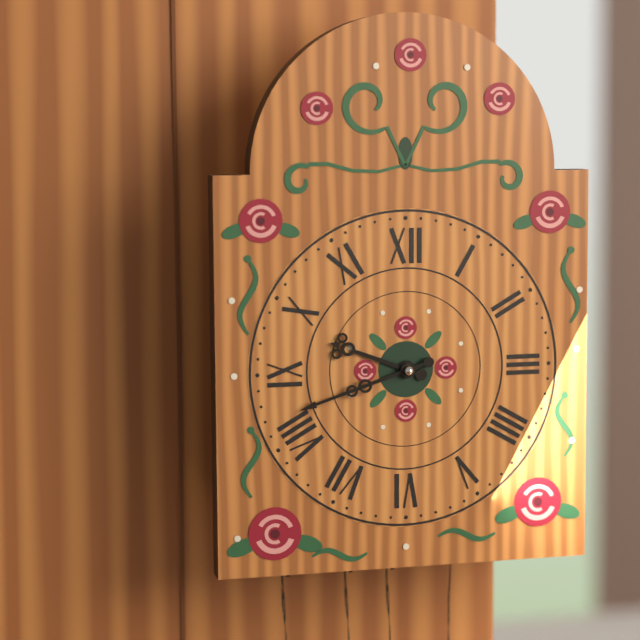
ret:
{"hour": 9, "minute": 42}
